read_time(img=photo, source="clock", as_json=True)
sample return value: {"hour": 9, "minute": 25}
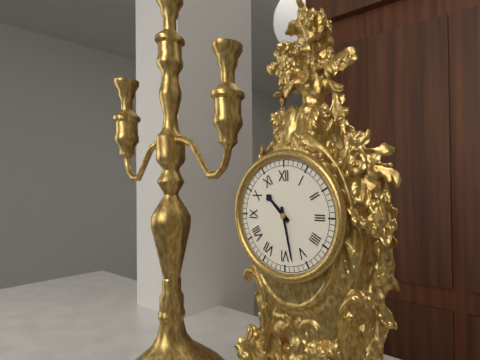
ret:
{"hour": 10, "minute": 28}
